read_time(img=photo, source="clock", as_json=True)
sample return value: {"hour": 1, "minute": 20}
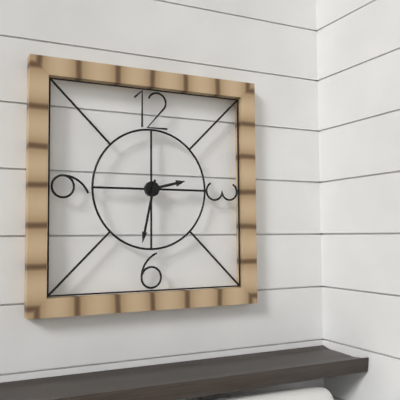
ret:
{"hour": 2, "minute": 32}
